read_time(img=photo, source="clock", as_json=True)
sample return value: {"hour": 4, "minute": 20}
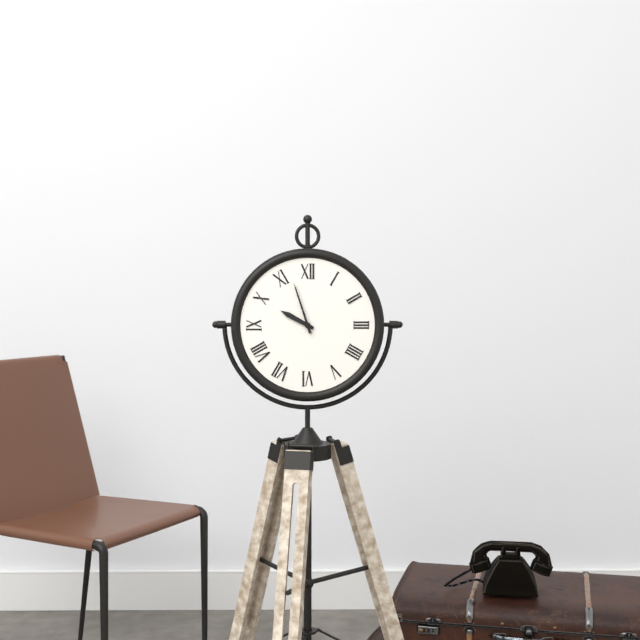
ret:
{"hour": 9, "minute": 57}
